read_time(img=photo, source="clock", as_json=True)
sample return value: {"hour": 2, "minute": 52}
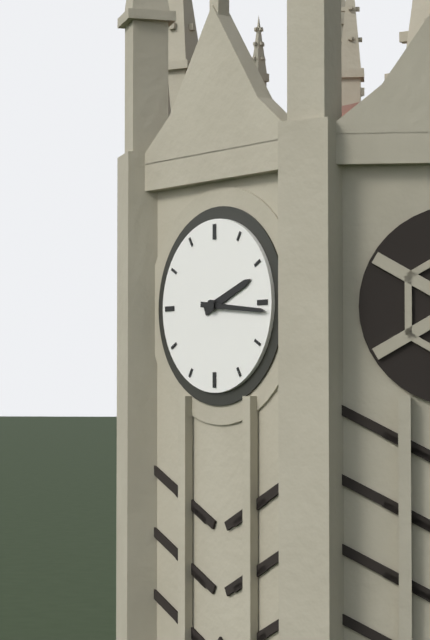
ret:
{"hour": 2, "minute": 16}
